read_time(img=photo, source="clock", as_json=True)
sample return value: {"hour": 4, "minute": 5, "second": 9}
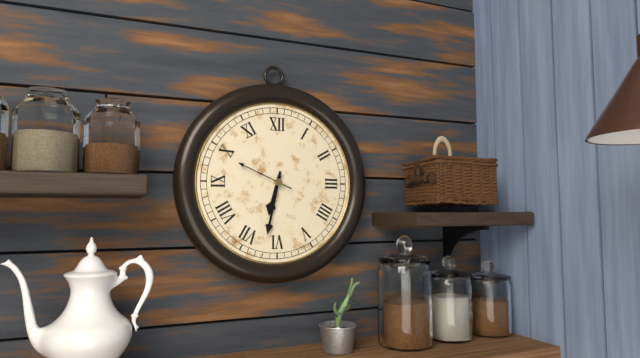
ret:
{"hour": 6, "minute": 32, "second": 49}
